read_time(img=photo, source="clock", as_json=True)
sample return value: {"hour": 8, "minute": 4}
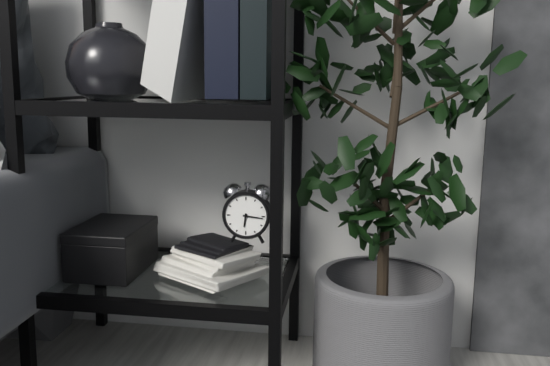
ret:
{"hour": 6, "minute": 16}
